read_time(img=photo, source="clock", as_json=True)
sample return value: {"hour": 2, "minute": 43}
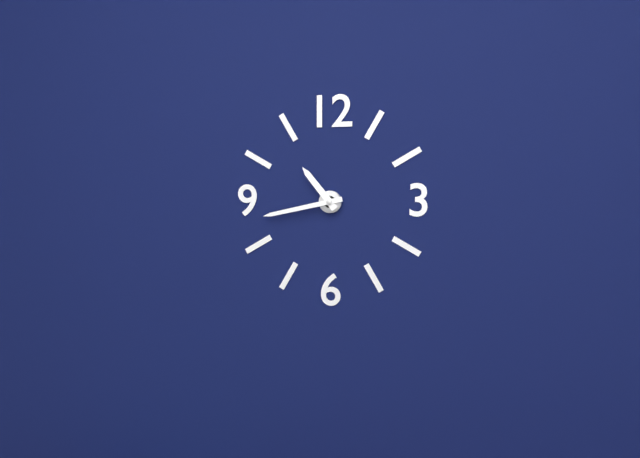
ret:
{"hour": 10, "minute": 43}
